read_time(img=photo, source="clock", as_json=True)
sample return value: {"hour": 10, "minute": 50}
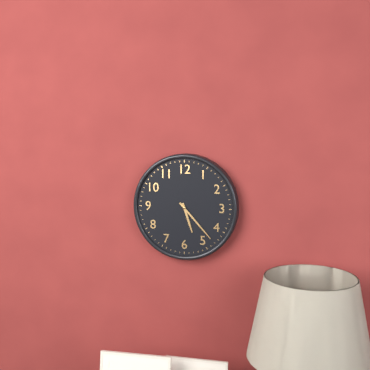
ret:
{"hour": 5, "minute": 23}
